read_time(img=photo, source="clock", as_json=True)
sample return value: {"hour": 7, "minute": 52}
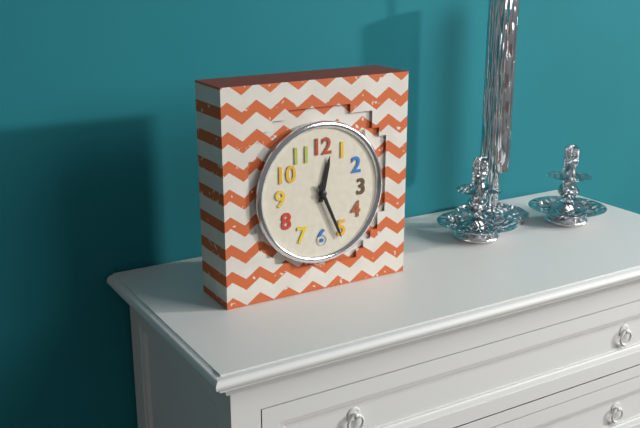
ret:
{"hour": 12, "minute": 26}
